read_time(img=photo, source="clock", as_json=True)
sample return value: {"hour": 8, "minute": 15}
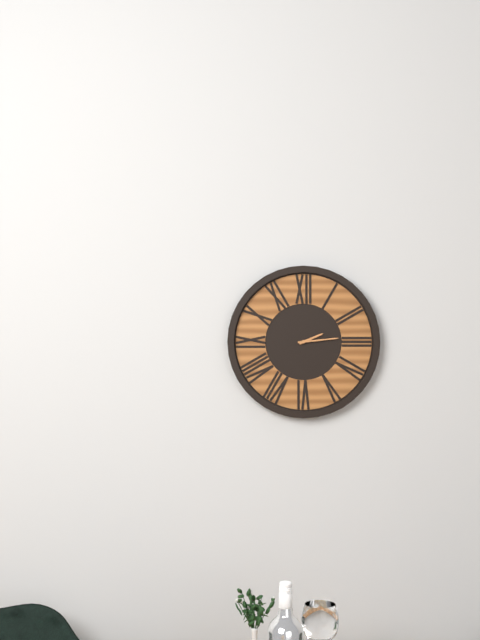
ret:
{"hour": 2, "minute": 14}
